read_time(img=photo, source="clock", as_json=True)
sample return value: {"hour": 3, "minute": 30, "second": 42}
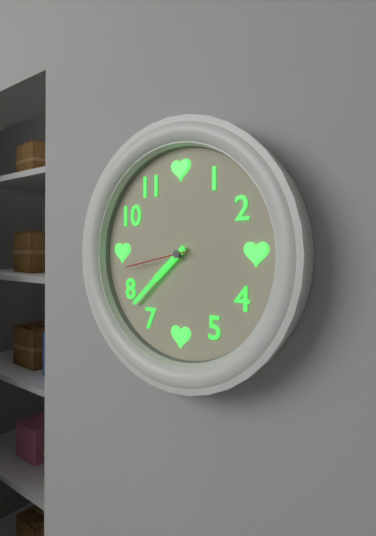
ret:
{"hour": 7, "minute": 38, "second": 43}
